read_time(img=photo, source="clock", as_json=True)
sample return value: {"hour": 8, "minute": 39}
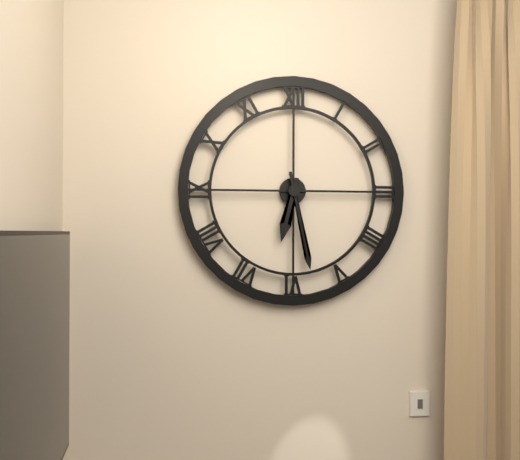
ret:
{"hour": 6, "minute": 28}
